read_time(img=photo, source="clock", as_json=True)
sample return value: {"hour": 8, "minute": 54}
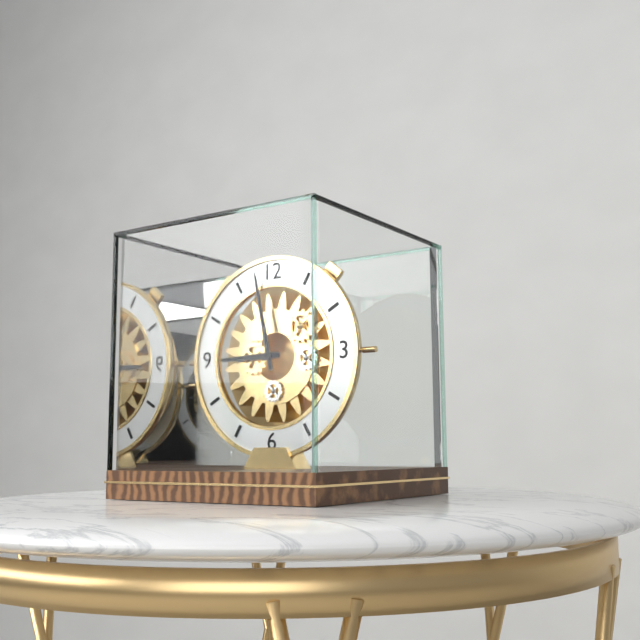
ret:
{"hour": 8, "minute": 58}
